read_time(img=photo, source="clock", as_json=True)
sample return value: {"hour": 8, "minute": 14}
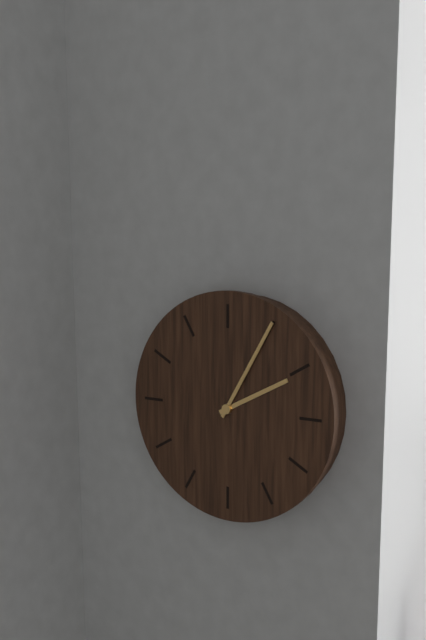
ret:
{"hour": 2, "minute": 5}
